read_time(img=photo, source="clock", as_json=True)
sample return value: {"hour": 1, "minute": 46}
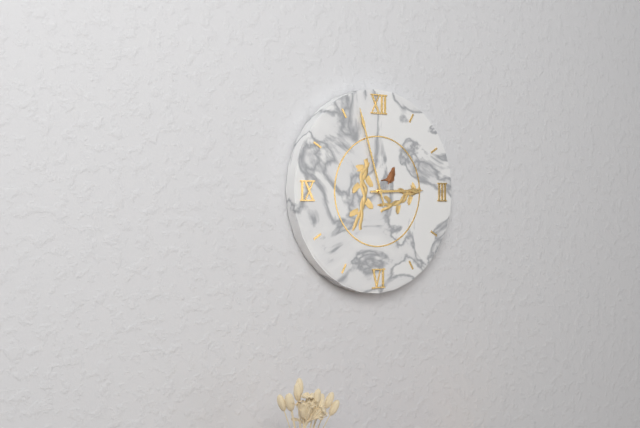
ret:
{"hour": 2, "minute": 57}
